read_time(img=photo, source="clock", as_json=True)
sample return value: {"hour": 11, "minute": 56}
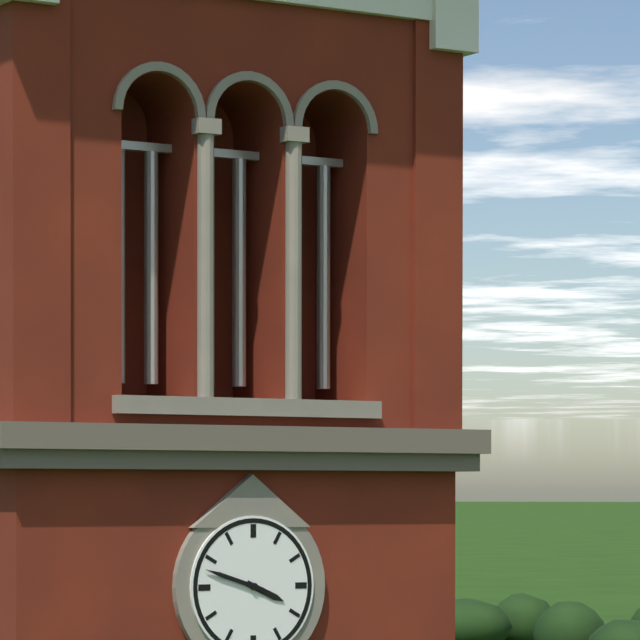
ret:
{"hour": 3, "minute": 48}
